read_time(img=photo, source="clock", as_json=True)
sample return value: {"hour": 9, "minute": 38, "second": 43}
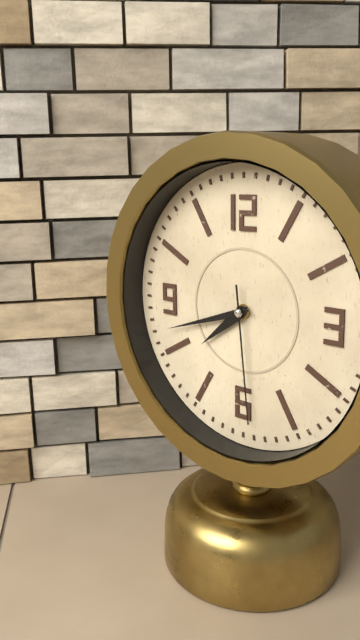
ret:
{"hour": 7, "minute": 42, "second": 29}
